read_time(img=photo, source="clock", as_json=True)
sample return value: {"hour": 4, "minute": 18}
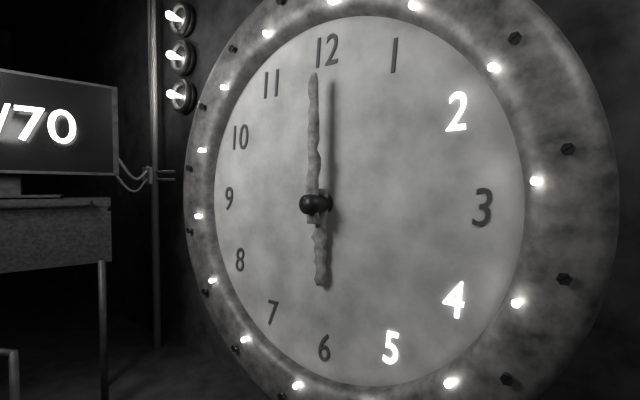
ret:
{"hour": 6, "minute": 0}
